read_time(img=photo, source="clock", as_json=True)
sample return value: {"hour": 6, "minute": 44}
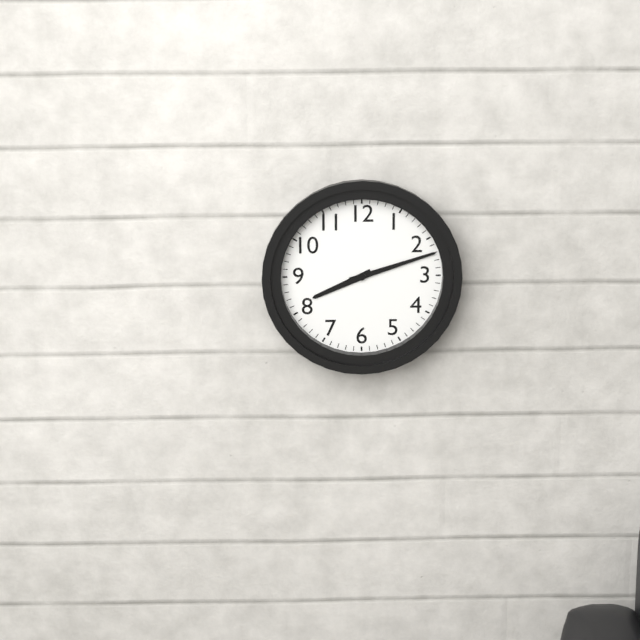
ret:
{"hour": 8, "minute": 12}
